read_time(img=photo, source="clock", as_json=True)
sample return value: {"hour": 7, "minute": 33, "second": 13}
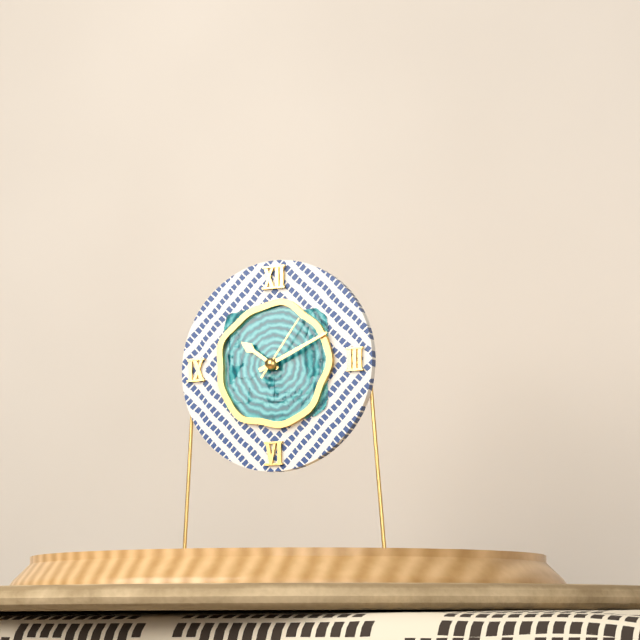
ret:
{"hour": 10, "minute": 11, "second": 6}
